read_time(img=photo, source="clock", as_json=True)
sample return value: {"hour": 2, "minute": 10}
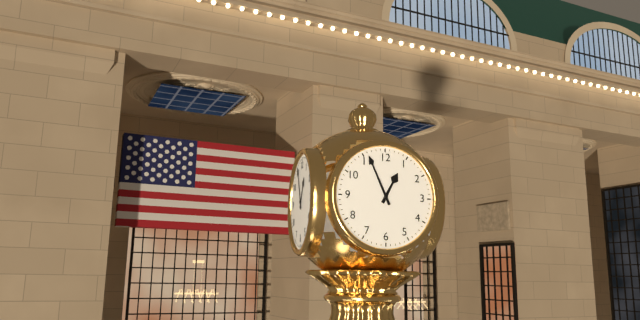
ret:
{"hour": 12, "minute": 56}
